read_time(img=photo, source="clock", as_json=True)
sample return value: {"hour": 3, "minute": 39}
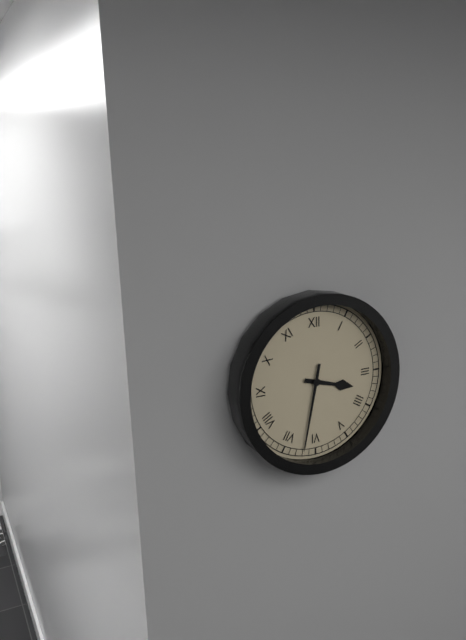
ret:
{"hour": 3, "minute": 32}
